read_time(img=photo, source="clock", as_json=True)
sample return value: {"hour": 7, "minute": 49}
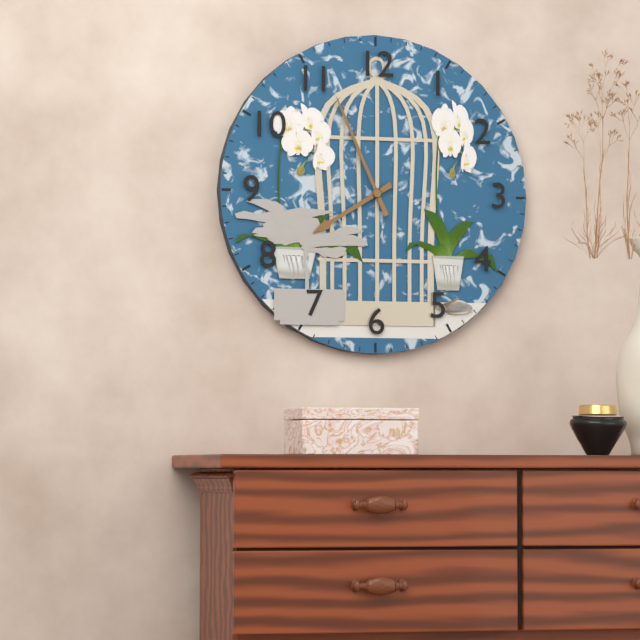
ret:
{"hour": 7, "minute": 56}
